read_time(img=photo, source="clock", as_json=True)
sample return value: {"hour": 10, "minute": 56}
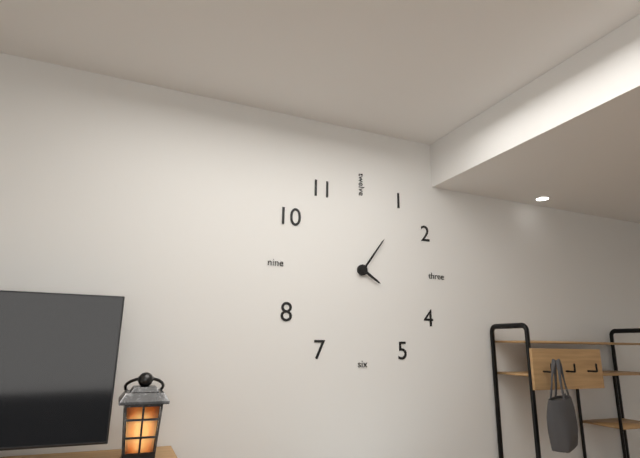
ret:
{"hour": 4, "minute": 6}
